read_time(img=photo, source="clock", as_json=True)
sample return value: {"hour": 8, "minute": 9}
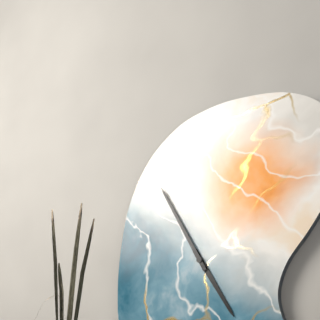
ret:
{"hour": 4, "minute": 55}
